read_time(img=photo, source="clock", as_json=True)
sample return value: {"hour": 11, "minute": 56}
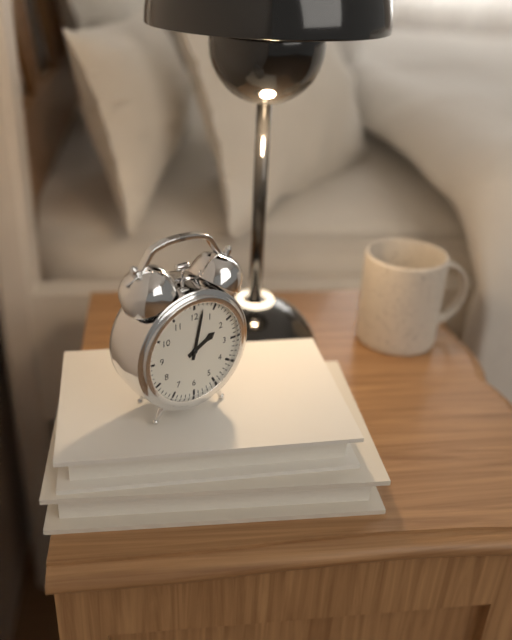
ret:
{"hour": 2, "minute": 2}
